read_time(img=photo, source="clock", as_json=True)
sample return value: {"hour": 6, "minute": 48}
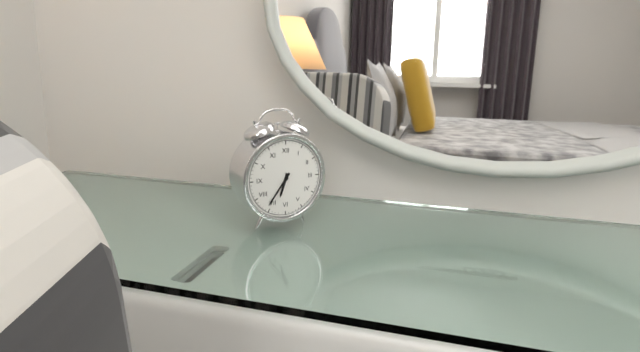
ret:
{"hour": 6, "minute": 36}
